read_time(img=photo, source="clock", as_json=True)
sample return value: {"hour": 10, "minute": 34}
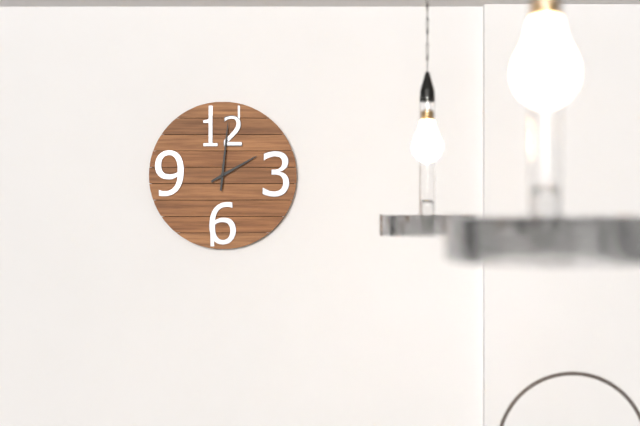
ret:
{"hour": 2, "minute": 1}
